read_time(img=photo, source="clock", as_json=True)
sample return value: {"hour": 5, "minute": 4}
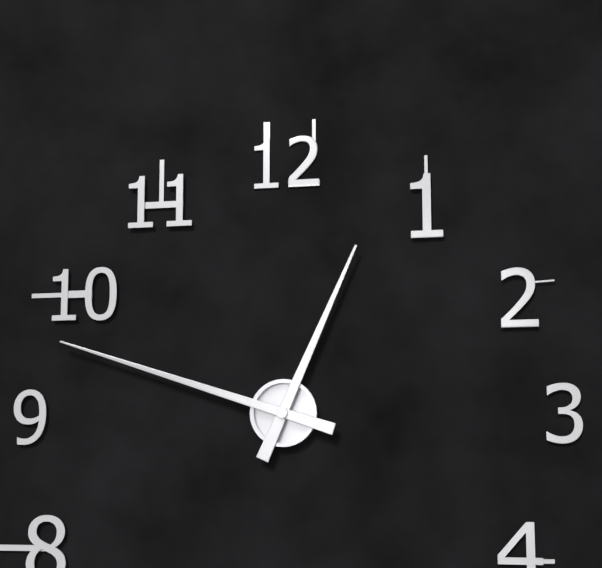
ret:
{"hour": 12, "minute": 48}
